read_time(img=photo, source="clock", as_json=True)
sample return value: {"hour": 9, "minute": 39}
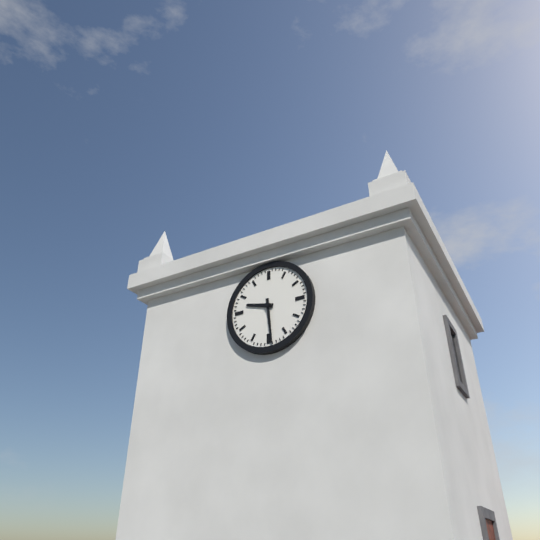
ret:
{"hour": 9, "minute": 29}
